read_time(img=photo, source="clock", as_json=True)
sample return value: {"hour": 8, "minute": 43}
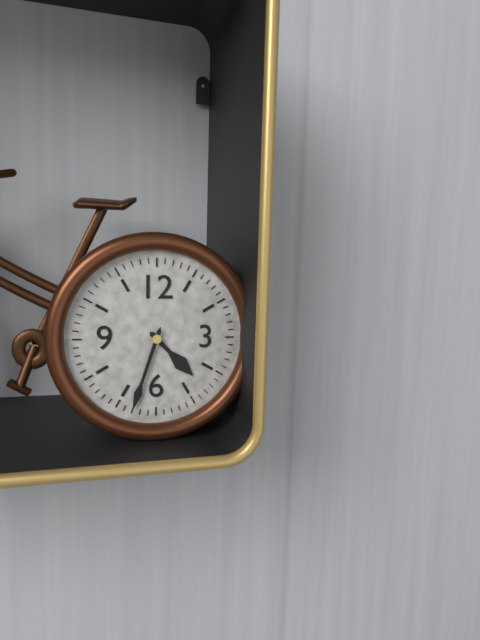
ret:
{"hour": 4, "minute": 33}
